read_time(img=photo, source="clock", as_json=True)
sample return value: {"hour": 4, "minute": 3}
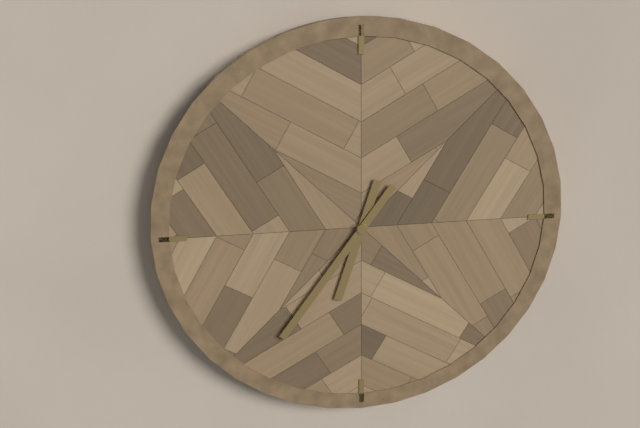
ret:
{"hour": 6, "minute": 36}
